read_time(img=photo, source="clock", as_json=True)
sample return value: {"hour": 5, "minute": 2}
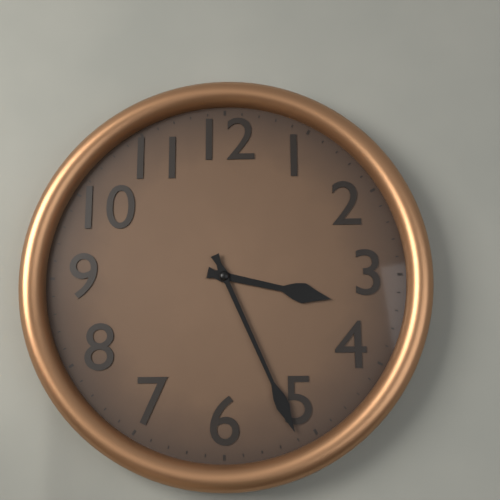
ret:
{"hour": 3, "minute": 26}
